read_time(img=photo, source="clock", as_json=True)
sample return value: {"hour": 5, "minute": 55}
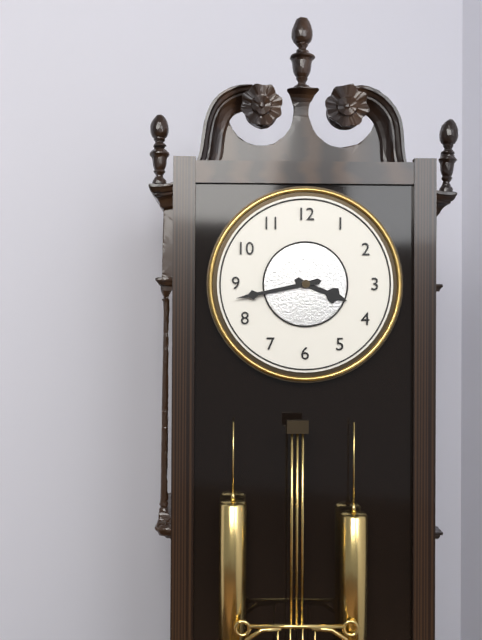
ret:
{"hour": 3, "minute": 43}
